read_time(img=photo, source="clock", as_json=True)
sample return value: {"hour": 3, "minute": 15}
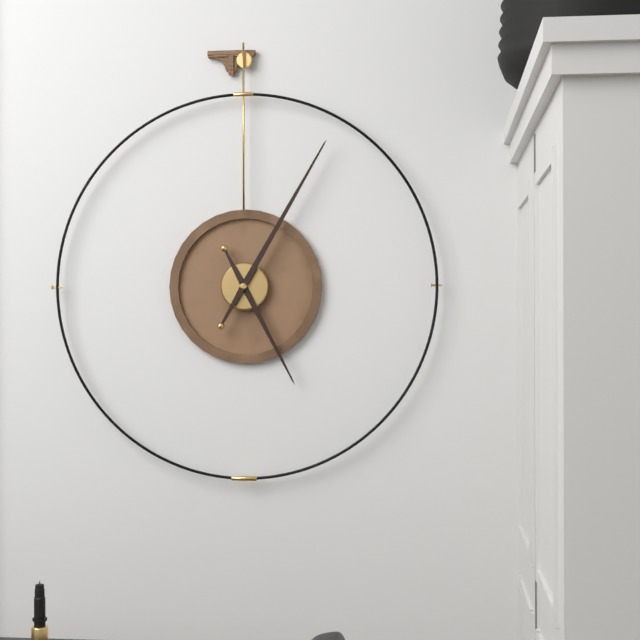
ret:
{"hour": 5, "minute": 5}
